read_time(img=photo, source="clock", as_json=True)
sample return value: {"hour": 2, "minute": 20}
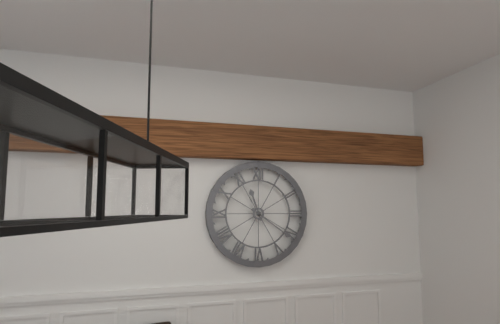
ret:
{"hour": 11, "minute": 21}
